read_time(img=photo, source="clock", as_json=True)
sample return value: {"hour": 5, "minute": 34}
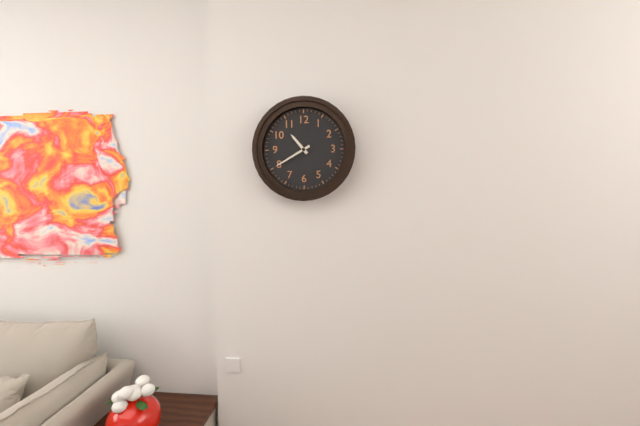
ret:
{"hour": 10, "minute": 40}
